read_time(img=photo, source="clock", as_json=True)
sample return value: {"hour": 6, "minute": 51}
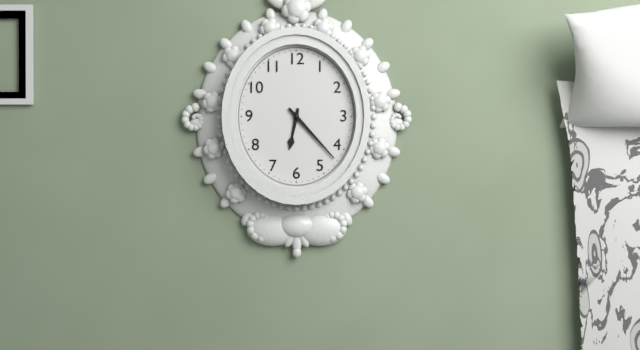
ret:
{"hour": 6, "minute": 23}
